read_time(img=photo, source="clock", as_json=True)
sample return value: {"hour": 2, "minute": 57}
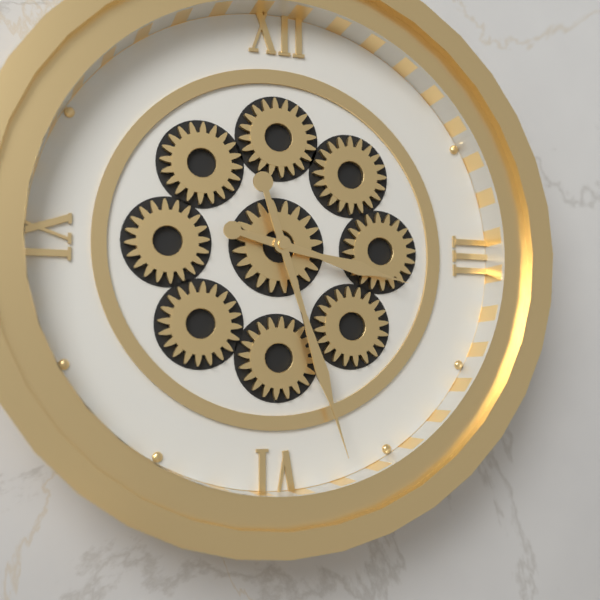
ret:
{"hour": 3, "minute": 27}
